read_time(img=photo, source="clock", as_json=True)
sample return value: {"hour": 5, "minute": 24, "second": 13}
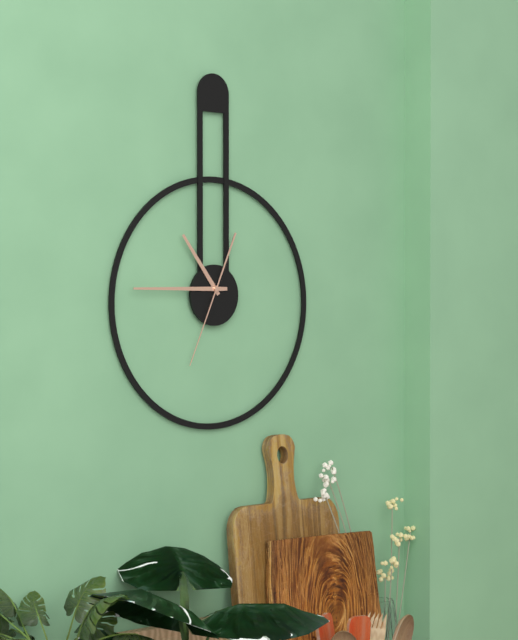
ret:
{"hour": 10, "minute": 45, "second": 34}
